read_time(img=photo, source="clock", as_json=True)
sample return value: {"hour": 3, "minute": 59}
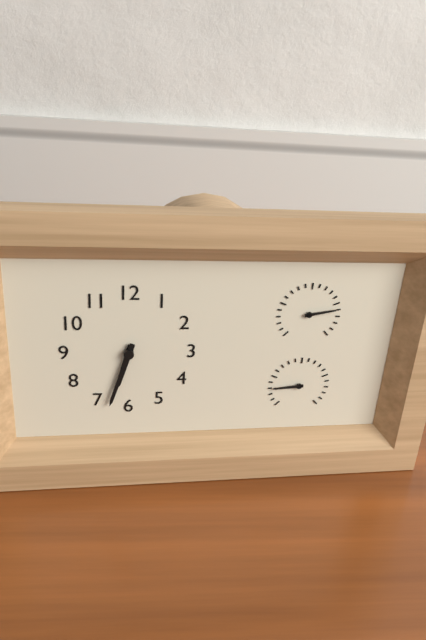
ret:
{"hour": 6, "minute": 33}
